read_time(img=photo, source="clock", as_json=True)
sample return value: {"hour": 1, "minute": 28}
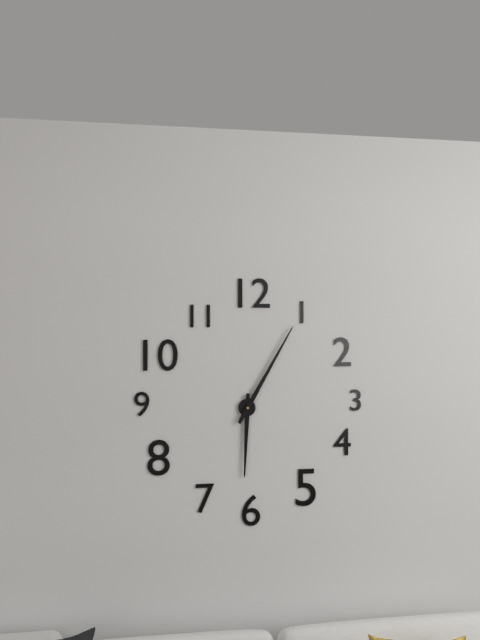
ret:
{"hour": 6, "minute": 5}
